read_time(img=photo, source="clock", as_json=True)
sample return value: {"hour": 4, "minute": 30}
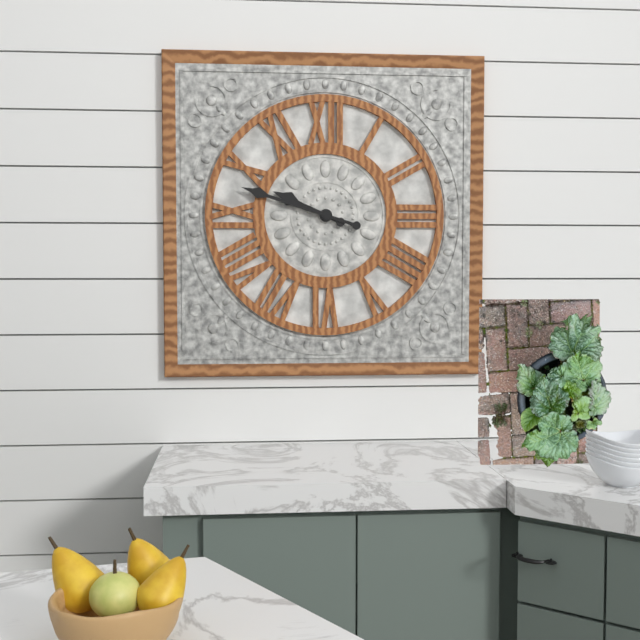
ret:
{"hour": 9, "minute": 48}
